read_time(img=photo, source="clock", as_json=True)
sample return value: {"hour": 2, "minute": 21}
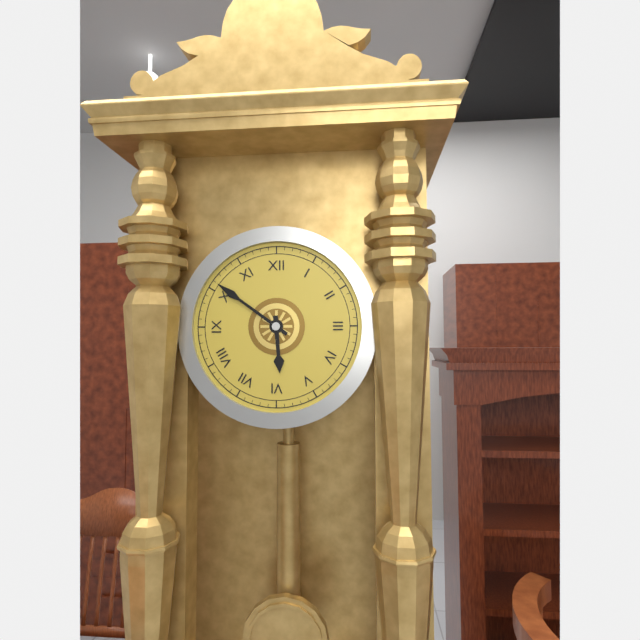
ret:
{"hour": 5, "minute": 51}
